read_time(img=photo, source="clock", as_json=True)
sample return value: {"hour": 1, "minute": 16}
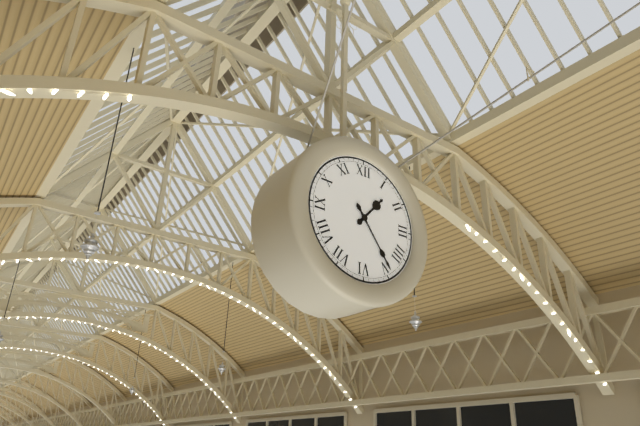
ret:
{"hour": 1, "minute": 24}
